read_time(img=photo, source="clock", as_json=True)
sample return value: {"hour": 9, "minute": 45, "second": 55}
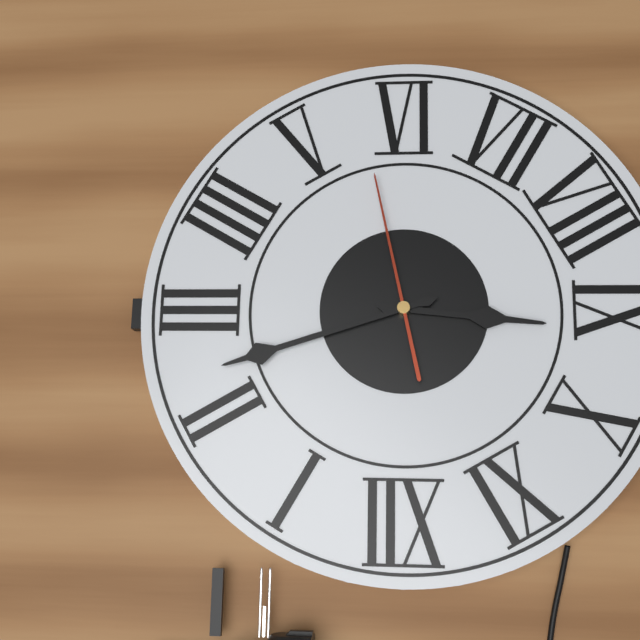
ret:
{"hour": 9, "minute": 12, "second": 28}
